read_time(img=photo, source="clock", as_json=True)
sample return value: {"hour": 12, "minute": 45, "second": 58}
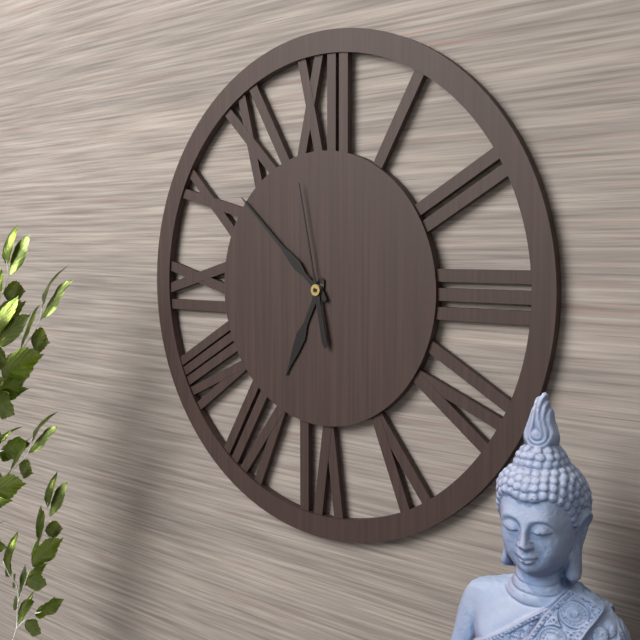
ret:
{"hour": 6, "minute": 52, "second": 58}
